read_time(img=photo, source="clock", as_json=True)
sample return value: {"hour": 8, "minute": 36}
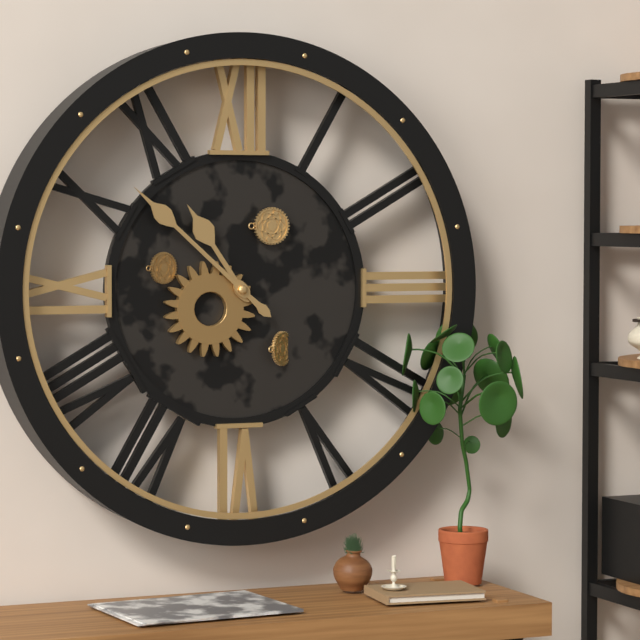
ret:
{"hour": 10, "minute": 52}
